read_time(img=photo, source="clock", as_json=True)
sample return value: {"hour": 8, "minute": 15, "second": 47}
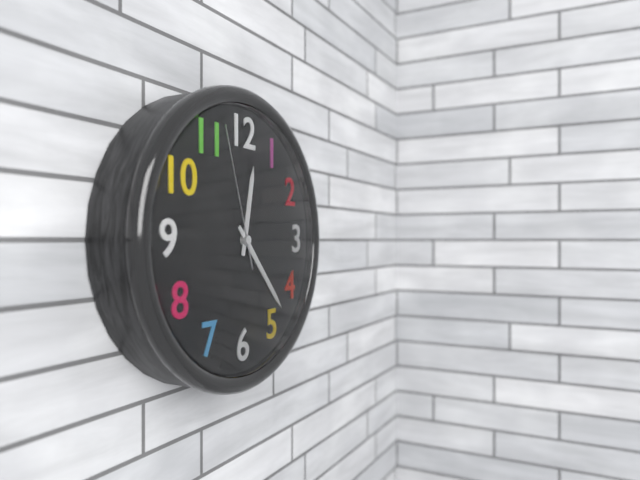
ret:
{"hour": 12, "minute": 23, "second": 57}
